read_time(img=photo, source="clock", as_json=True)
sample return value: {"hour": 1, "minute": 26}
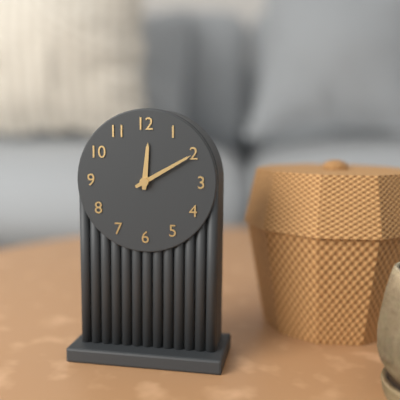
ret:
{"hour": 12, "minute": 10}
